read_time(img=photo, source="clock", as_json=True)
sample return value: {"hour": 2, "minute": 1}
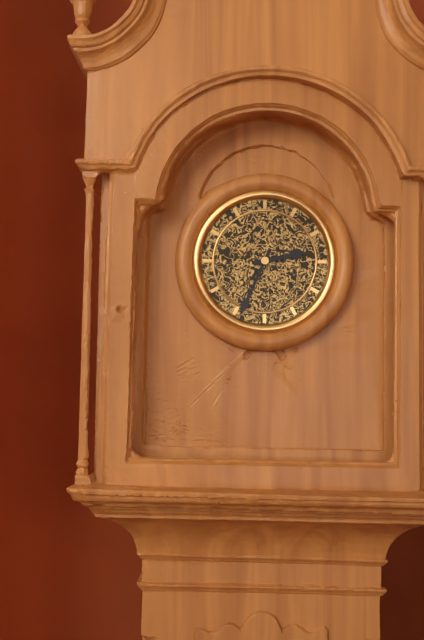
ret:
{"hour": 2, "minute": 34}
